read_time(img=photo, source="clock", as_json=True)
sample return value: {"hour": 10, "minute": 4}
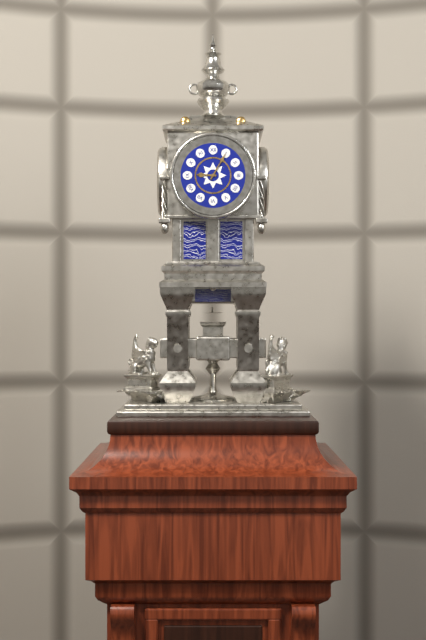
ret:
{"hour": 9, "minute": 5}
